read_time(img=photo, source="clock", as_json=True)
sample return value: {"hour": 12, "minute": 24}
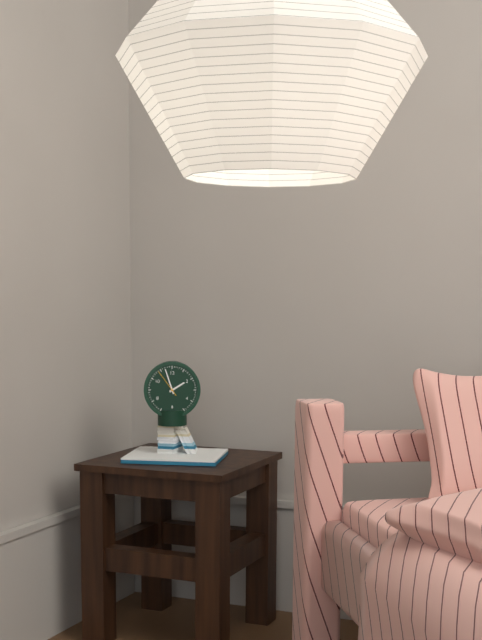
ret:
{"hour": 1, "minute": 57}
